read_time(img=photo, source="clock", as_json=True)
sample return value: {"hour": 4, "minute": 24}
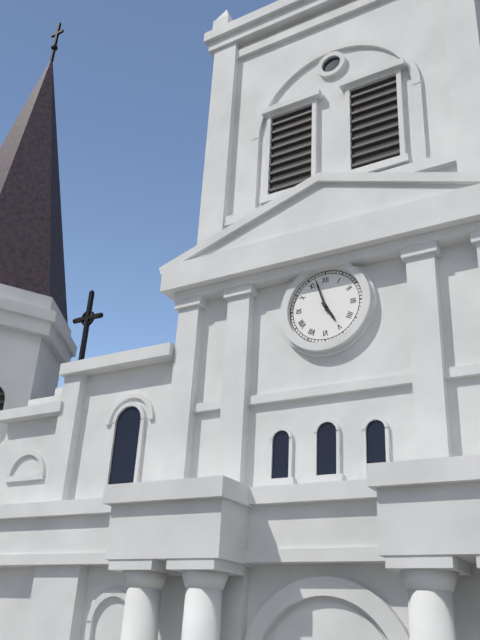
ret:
{"hour": 4, "minute": 57}
